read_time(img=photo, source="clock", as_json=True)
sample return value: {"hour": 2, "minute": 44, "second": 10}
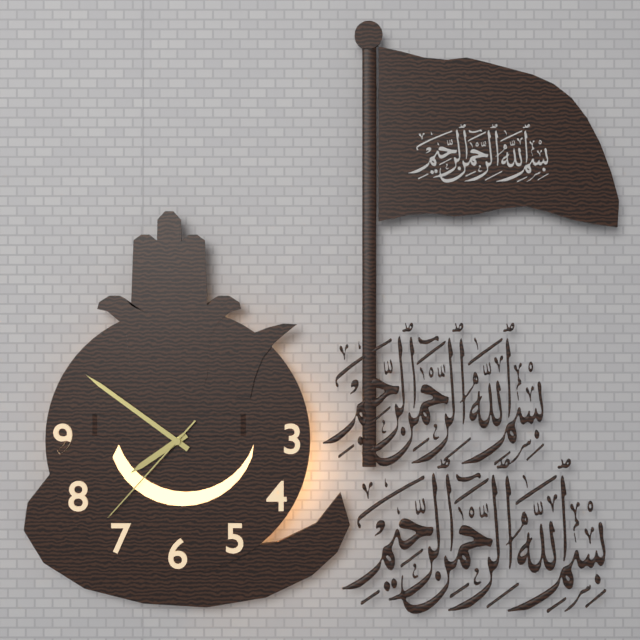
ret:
{"hour": 7, "minute": 51, "second": 37}
